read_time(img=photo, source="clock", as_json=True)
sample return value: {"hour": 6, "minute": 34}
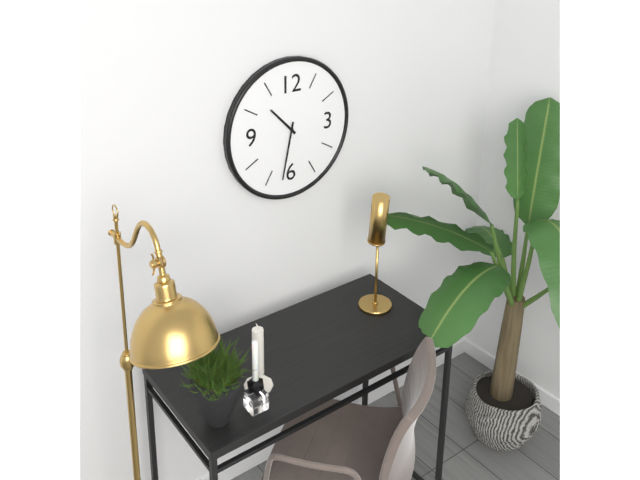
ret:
{"hour": 10, "minute": 32}
